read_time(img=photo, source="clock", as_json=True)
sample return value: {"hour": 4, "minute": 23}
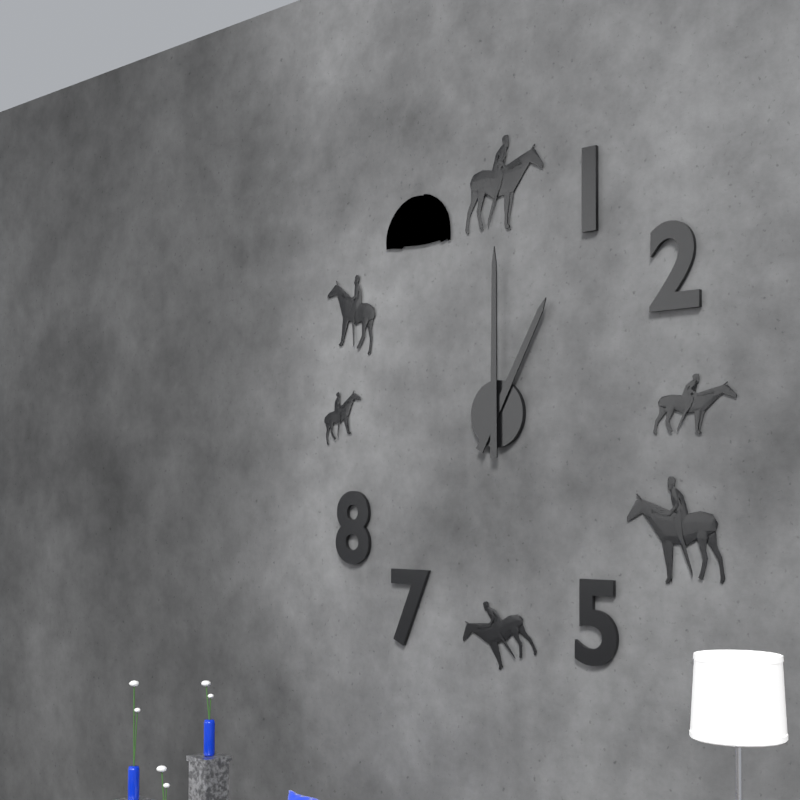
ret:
{"hour": 1, "minute": 0}
